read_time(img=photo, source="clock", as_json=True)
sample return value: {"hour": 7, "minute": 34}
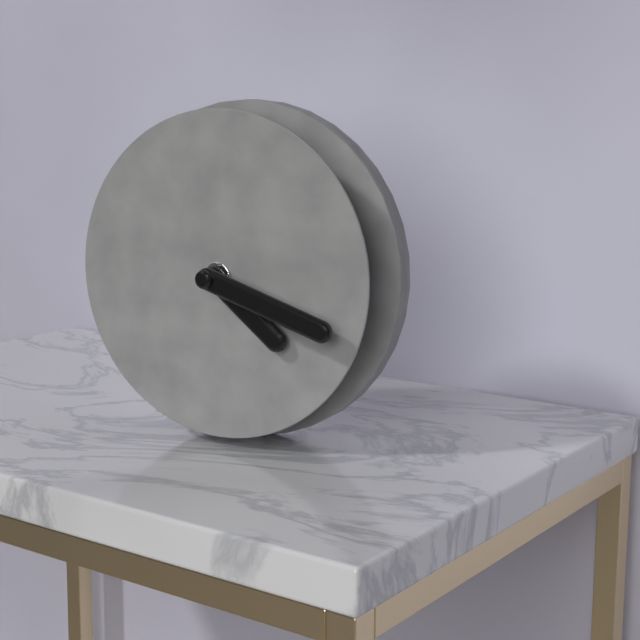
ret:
{"hour": 4, "minute": 18}
